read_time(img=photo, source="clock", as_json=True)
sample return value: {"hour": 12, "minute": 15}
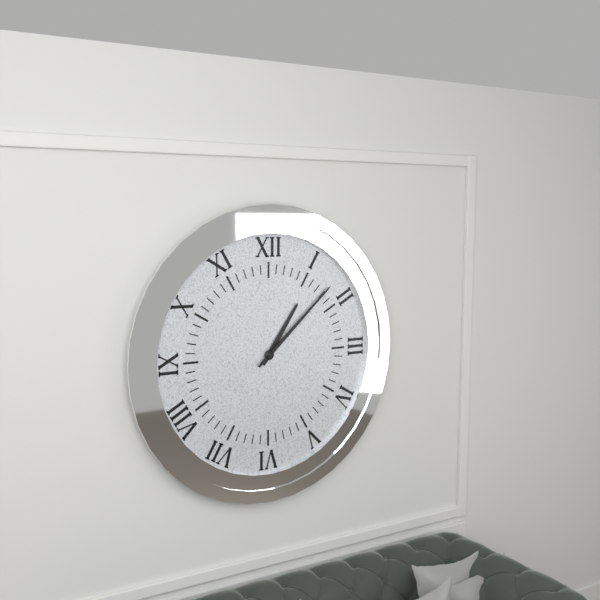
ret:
{"hour": 1, "minute": 8}
